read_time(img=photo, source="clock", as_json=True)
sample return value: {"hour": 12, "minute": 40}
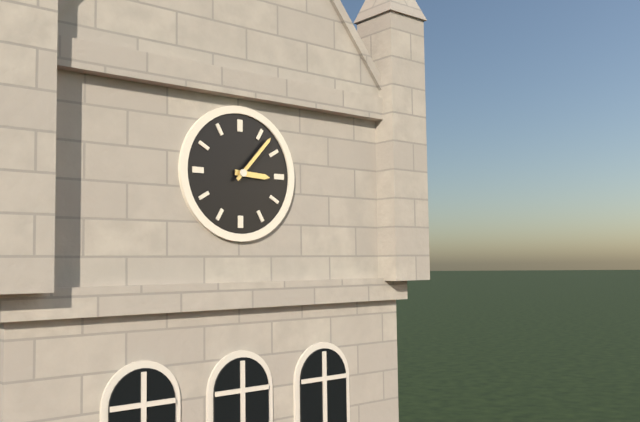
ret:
{"hour": 3, "minute": 7}
